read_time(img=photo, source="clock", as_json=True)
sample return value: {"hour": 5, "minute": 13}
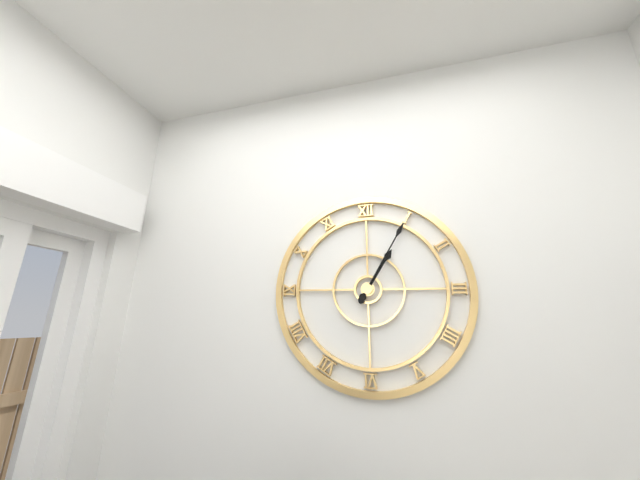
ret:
{"hour": 1, "minute": 5}
